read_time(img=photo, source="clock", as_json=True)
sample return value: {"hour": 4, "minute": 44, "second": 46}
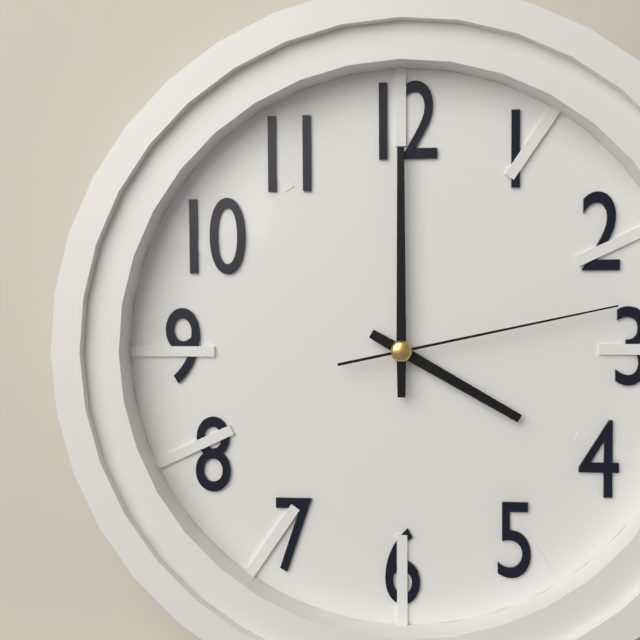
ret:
{"hour": 4, "minute": 0, "second": 13}
